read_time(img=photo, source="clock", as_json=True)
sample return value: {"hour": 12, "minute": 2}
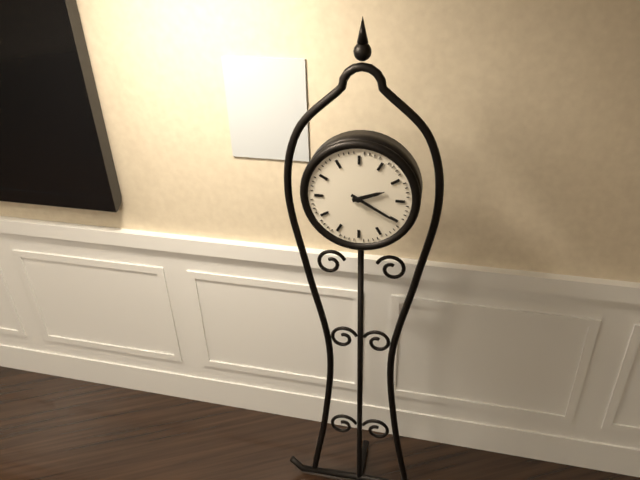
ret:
{"hour": 2, "minute": 20}
